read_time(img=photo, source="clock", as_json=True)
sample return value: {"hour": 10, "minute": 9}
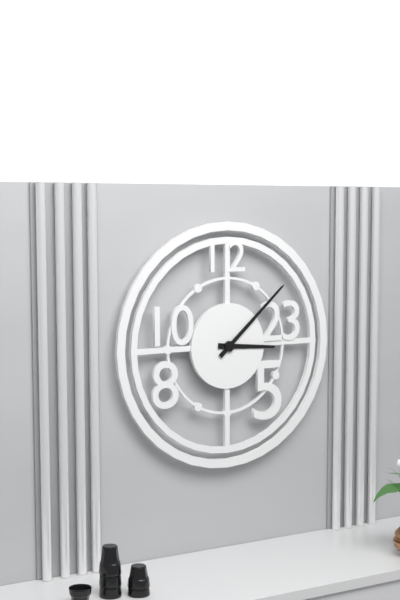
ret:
{"hour": 3, "minute": 8}
